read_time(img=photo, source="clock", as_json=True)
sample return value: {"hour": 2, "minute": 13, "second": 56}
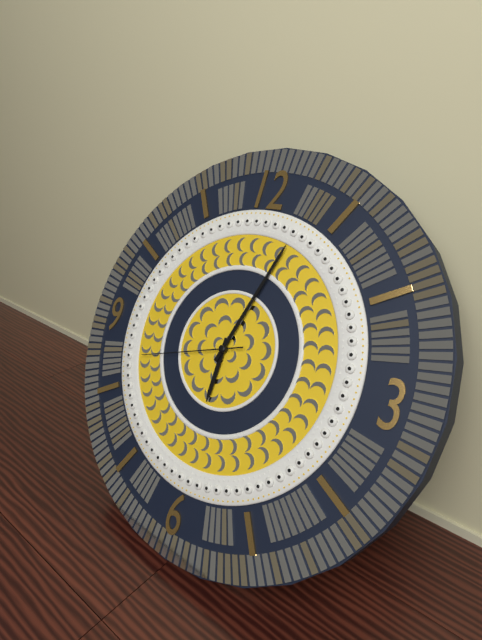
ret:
{"hour": 6, "minute": 3, "second": 42}
